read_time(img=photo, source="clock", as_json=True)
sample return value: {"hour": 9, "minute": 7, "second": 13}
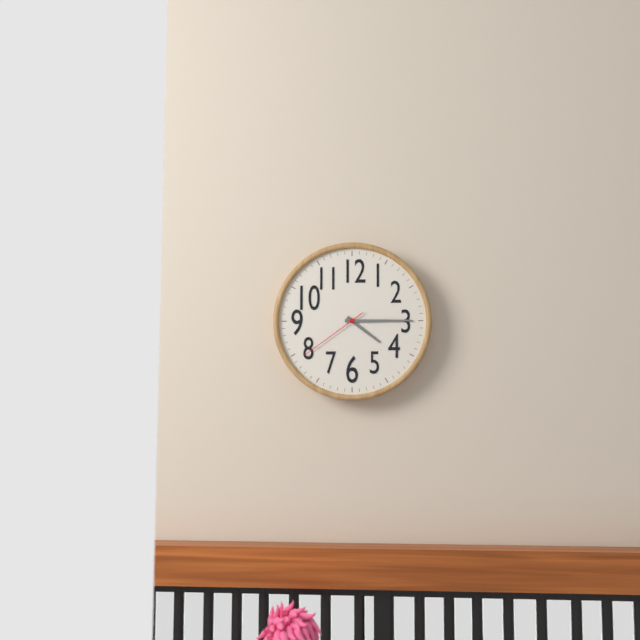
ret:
{"hour": 4, "minute": 15, "second": 39}
